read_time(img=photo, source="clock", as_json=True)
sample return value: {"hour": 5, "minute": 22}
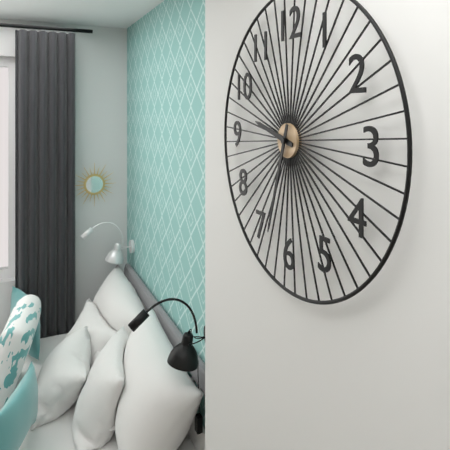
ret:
{"hour": 9, "minute": 33}
